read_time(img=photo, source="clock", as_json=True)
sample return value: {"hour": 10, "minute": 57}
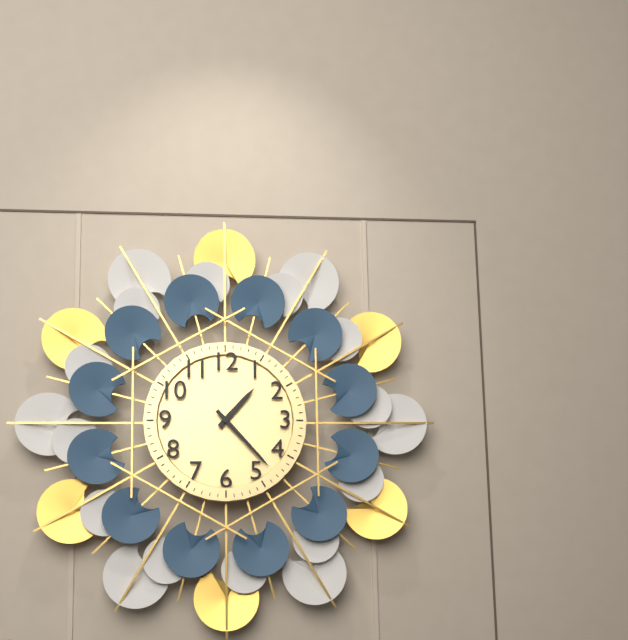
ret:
{"hour": 1, "minute": 23}
